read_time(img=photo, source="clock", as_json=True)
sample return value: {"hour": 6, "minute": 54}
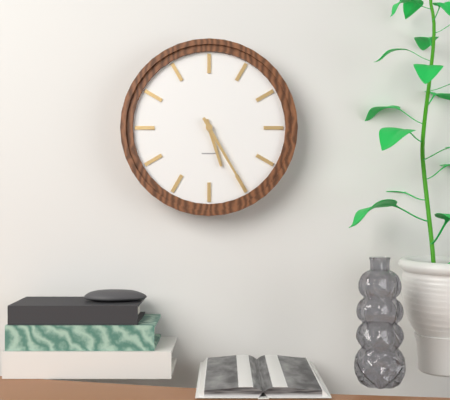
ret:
{"hour": 5, "minute": 25}
